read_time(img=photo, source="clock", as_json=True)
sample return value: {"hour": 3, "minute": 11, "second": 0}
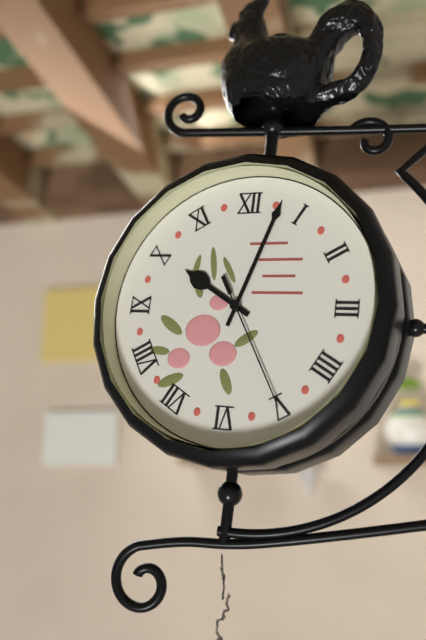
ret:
{"hour": 10, "minute": 3, "second": 25}
